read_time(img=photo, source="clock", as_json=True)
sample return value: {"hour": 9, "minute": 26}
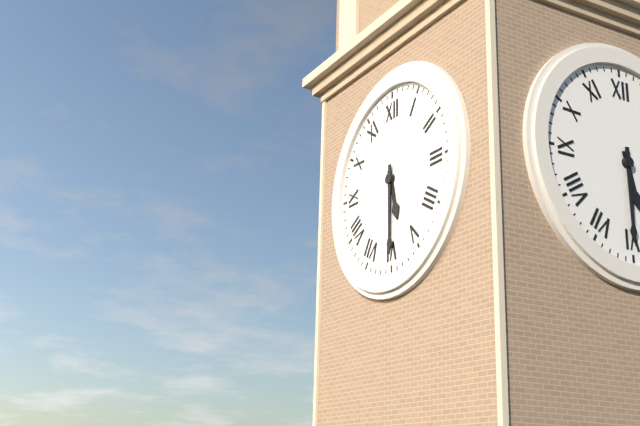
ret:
{"hour": 5, "minute": 30}
